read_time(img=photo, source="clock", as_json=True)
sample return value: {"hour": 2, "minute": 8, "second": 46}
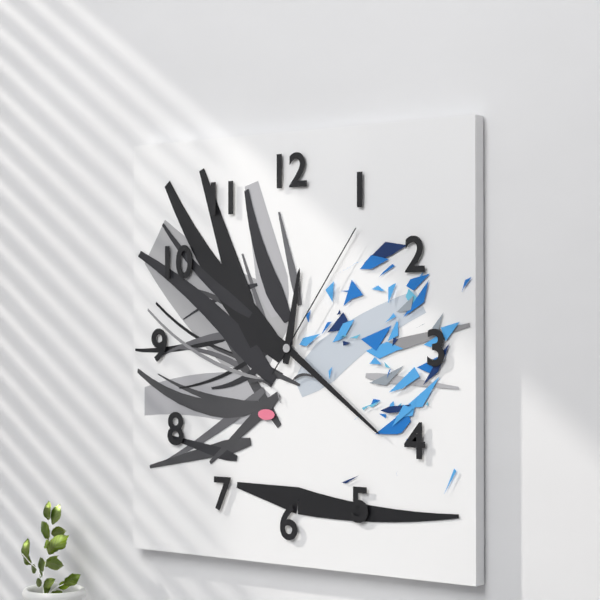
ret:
{"hour": 12, "minute": 21, "second": 6}
